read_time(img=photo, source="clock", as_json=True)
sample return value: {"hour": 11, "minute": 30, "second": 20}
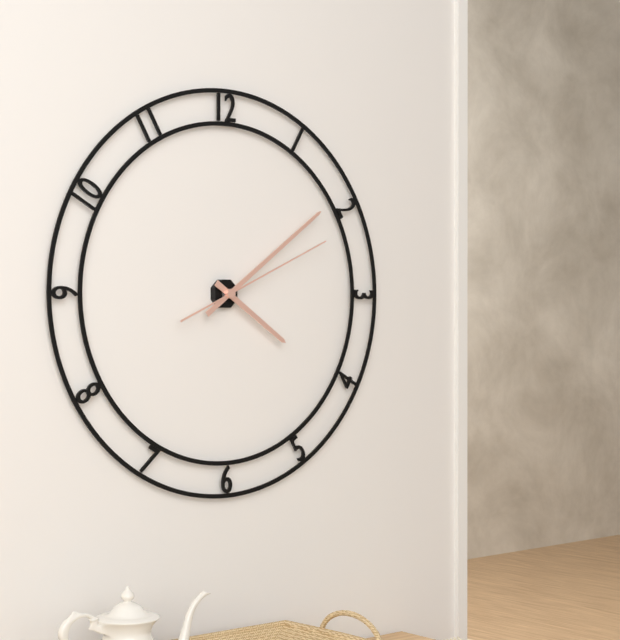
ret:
{"hour": 4, "minute": 9, "second": 11}
